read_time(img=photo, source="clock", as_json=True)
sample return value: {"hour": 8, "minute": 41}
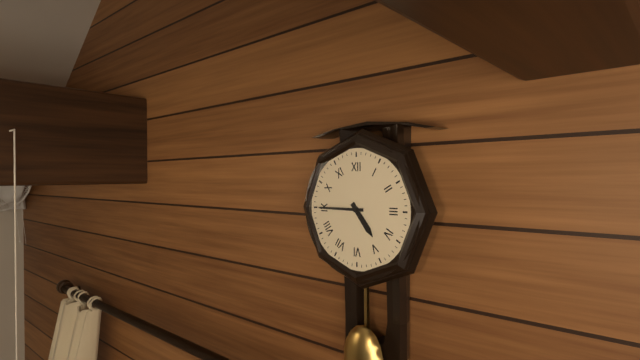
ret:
{"hour": 4, "minute": 45}
